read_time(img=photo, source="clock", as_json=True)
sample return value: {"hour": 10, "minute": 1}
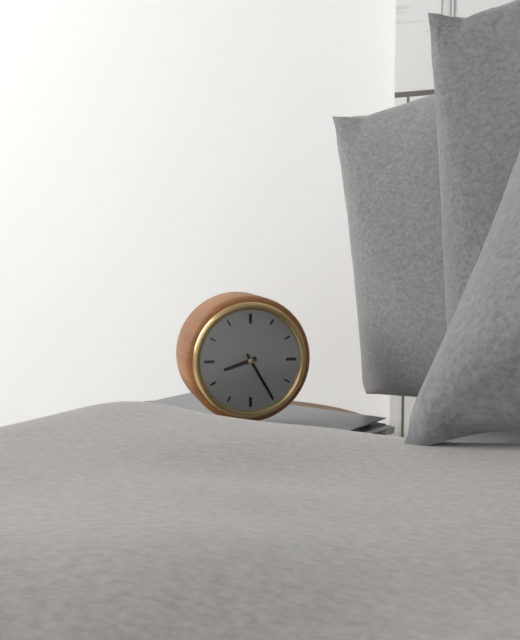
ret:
{"hour": 8, "minute": 25}
